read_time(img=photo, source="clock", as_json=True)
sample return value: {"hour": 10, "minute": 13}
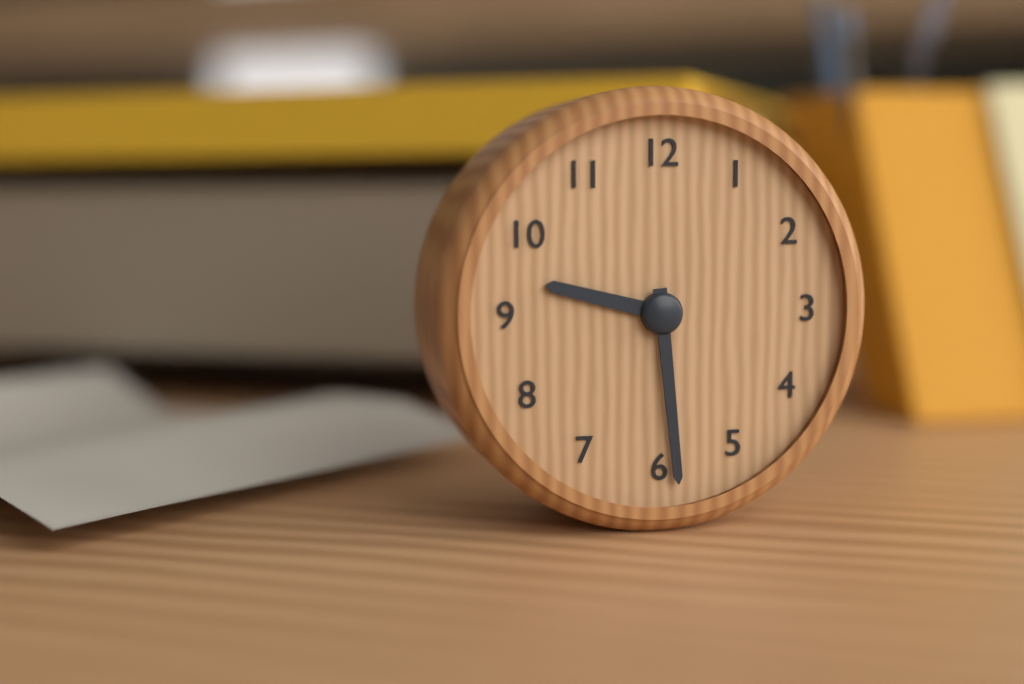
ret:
{"hour": 9, "minute": 29}
